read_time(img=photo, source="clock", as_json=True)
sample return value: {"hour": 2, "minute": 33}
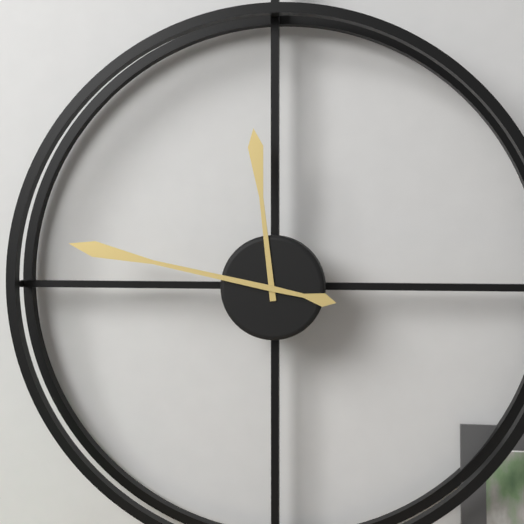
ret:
{"hour": 11, "minute": 47}
